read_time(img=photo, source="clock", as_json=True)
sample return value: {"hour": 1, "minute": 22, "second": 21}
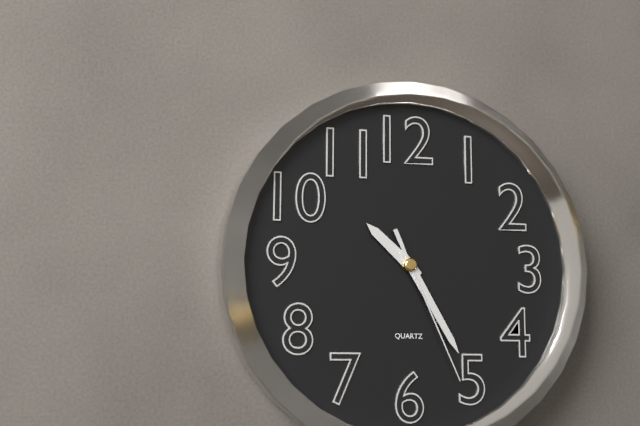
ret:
{"hour": 10, "minute": 25, "second": 26}
